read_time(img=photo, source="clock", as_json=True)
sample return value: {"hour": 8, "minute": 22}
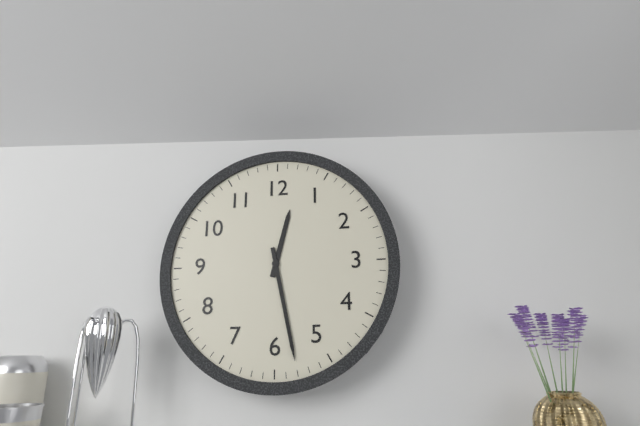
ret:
{"hour": 12, "minute": 28}
